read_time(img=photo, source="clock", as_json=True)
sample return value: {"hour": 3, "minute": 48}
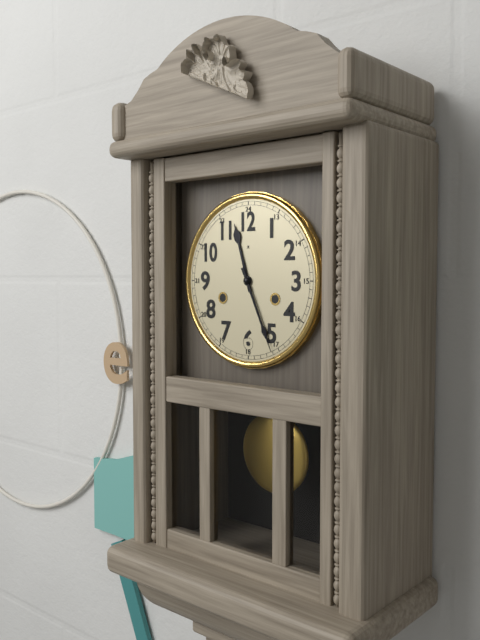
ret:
{"hour": 11, "minute": 26}
